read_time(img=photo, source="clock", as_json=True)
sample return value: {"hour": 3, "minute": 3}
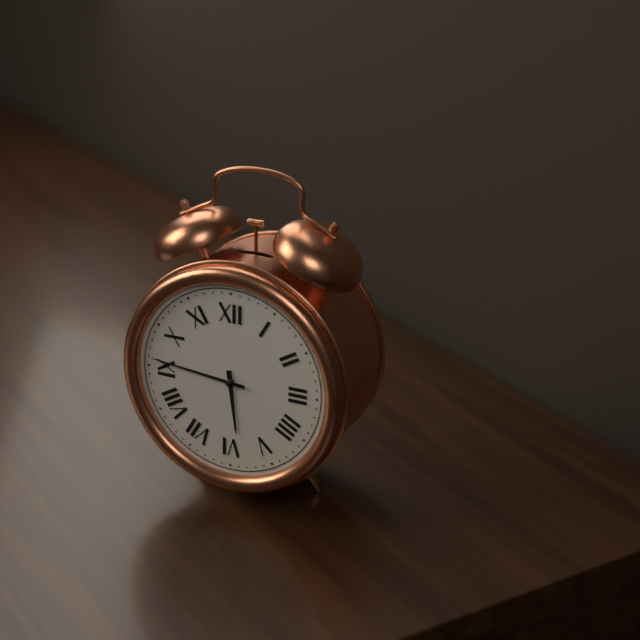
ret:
{"hour": 5, "minute": 46}
